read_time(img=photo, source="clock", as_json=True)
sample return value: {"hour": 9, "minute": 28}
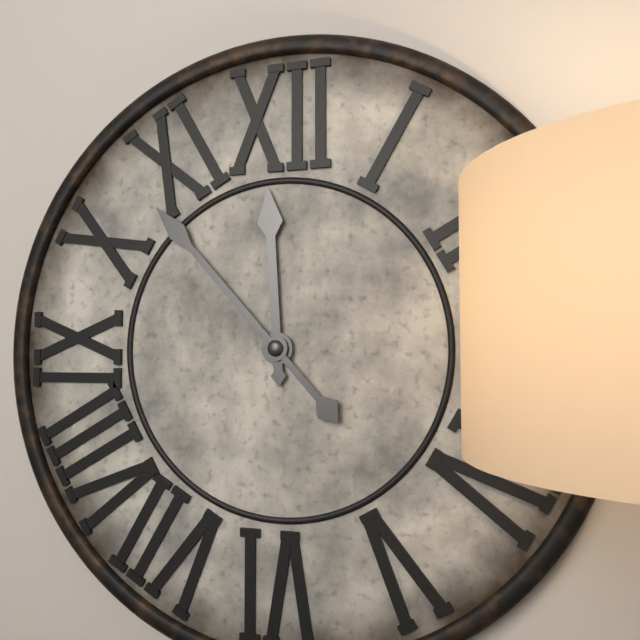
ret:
{"hour": 11, "minute": 53}
